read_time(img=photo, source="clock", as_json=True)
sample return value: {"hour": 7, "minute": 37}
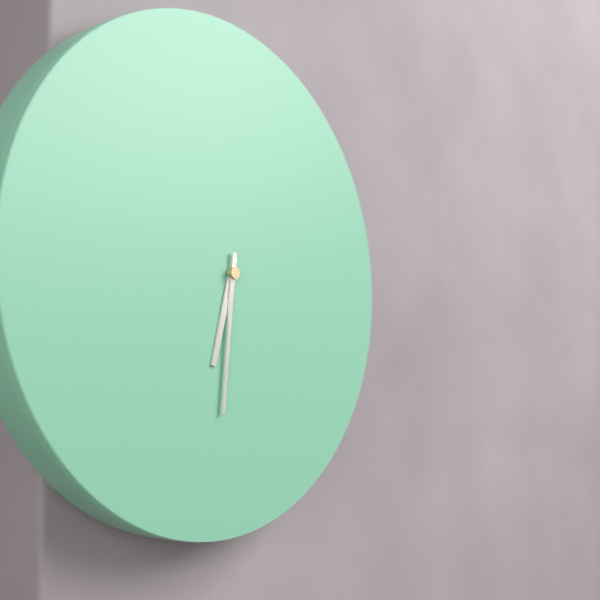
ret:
{"hour": 6, "minute": 31}
